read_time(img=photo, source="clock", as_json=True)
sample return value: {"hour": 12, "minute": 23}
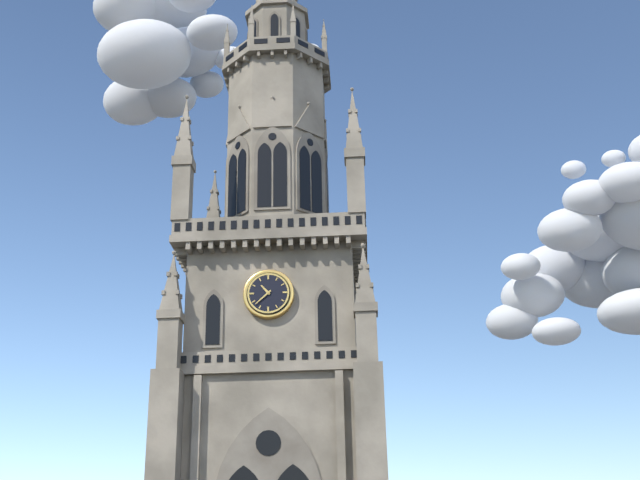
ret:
{"hour": 10, "minute": 38}
